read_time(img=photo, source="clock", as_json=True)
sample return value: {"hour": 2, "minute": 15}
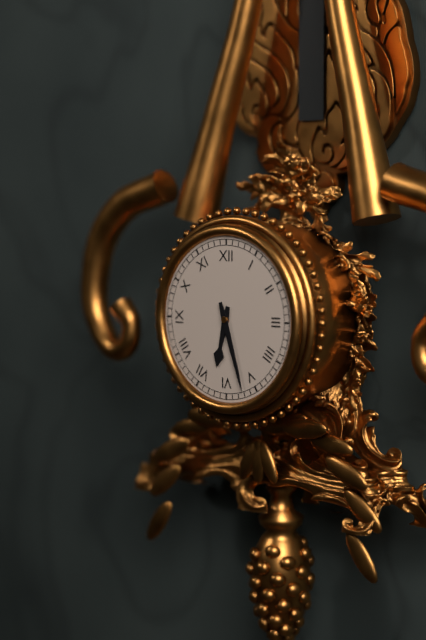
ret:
{"hour": 6, "minute": 27}
